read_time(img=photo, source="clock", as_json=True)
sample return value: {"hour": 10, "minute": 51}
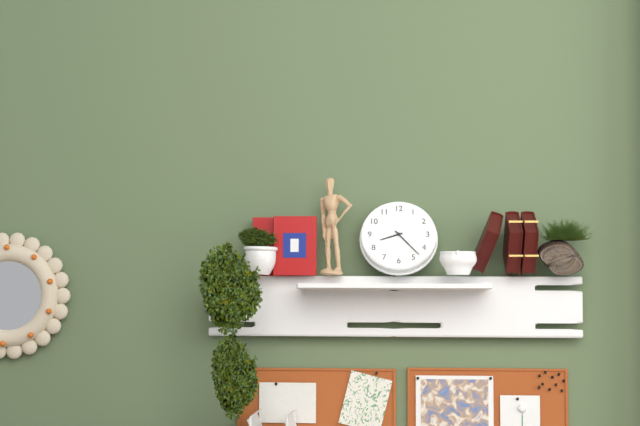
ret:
{"hour": 8, "minute": 23}
